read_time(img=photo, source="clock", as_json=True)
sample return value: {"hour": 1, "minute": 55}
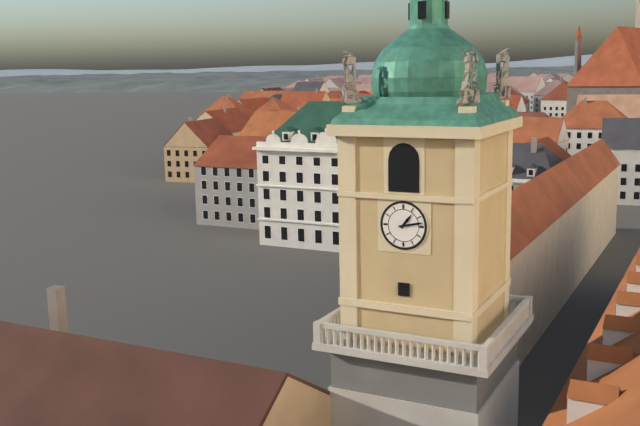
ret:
{"hour": 1, "minute": 13}
